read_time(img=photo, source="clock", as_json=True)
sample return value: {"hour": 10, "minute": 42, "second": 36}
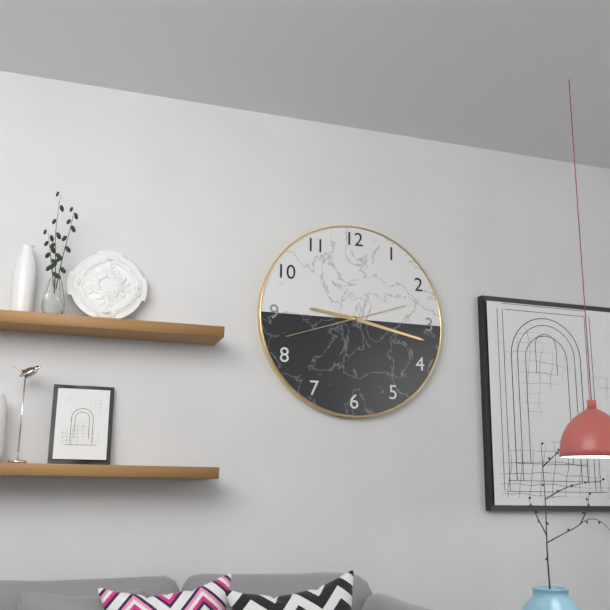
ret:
{"hour": 9, "minute": 17, "second": 42}
